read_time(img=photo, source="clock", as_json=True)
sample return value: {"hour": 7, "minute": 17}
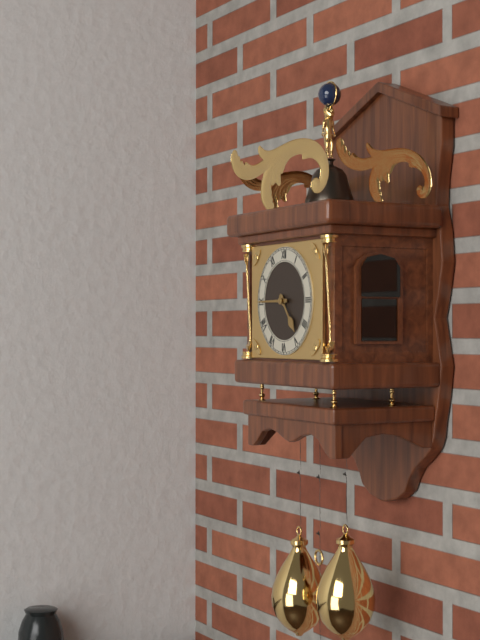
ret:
{"hour": 4, "minute": 45}
